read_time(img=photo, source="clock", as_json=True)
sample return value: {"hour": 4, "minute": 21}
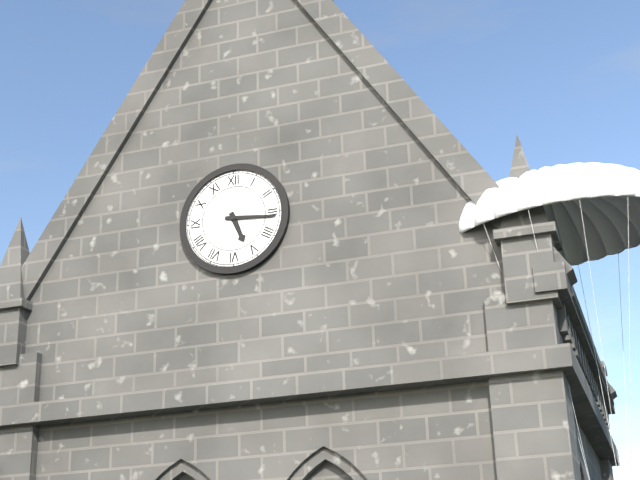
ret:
{"hour": 5, "minute": 16}
